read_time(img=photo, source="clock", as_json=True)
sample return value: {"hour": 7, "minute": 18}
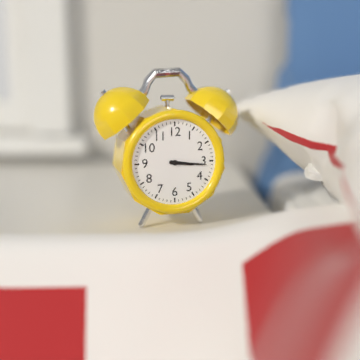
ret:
{"hour": 3, "minute": 16}
